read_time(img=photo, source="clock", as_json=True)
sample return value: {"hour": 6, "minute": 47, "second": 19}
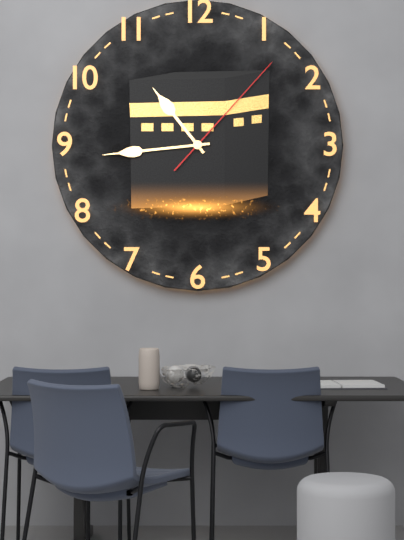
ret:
{"hour": 10, "minute": 44, "second": 7}
